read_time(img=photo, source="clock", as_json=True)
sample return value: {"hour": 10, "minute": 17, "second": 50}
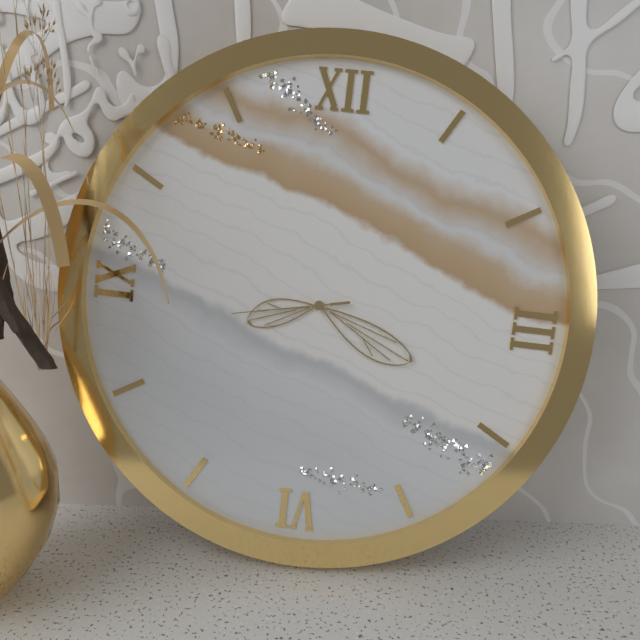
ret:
{"hour": 8, "minute": 19, "second": 43}
